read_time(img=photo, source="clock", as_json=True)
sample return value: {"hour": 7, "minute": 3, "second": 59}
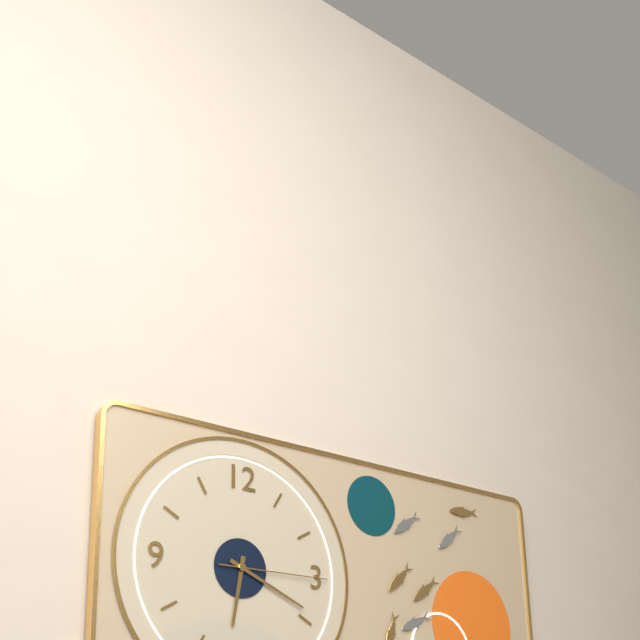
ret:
{"hour": 6, "minute": 19, "second": 15}
